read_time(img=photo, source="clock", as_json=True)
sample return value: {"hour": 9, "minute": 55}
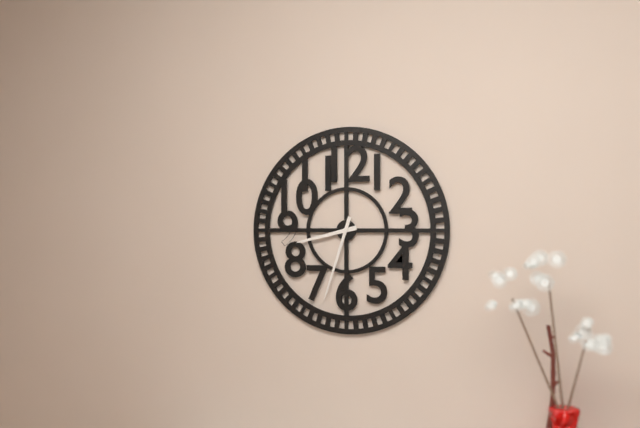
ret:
{"hour": 8, "minute": 33}
